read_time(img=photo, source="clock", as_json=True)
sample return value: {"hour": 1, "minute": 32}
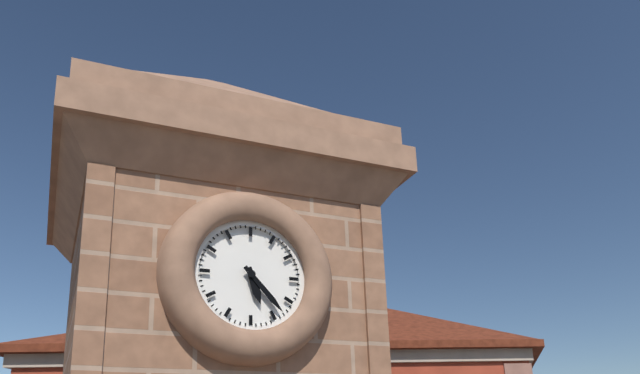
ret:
{"hour": 5, "minute": 23}
